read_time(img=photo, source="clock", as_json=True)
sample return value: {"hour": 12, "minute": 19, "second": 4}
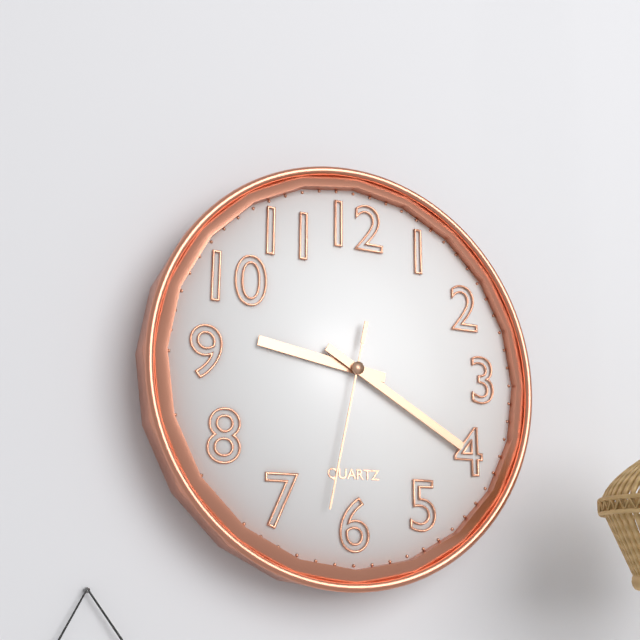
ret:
{"hour": 9, "minute": 20, "second": 32}
